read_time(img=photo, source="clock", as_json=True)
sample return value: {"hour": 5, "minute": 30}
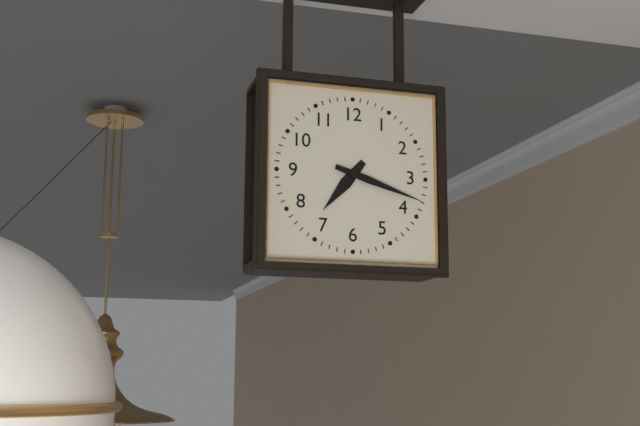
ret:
{"hour": 7, "minute": 18}
